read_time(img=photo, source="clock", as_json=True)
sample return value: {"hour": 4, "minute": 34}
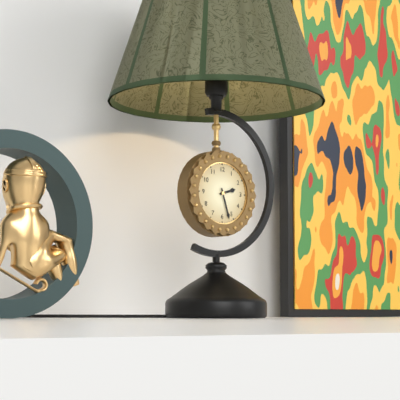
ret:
{"hour": 2, "minute": 27}
